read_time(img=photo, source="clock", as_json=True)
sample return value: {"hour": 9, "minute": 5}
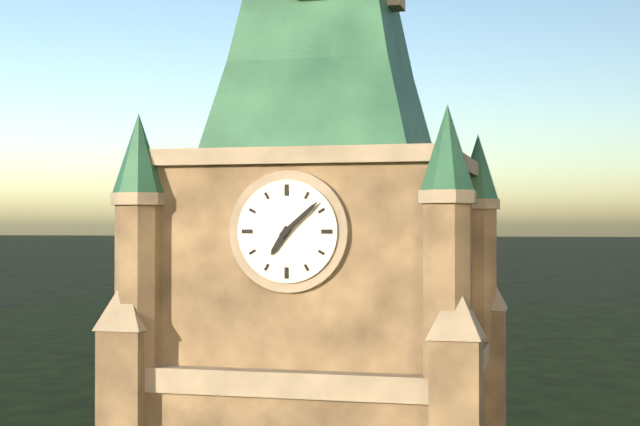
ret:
{"hour": 7, "minute": 8}
